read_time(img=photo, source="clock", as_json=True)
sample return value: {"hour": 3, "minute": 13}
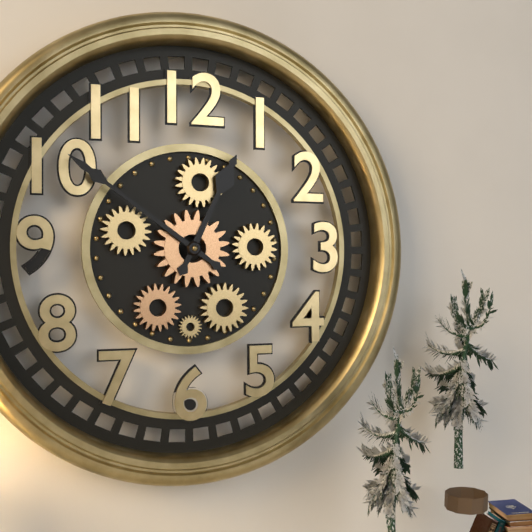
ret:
{"hour": 12, "minute": 51}
